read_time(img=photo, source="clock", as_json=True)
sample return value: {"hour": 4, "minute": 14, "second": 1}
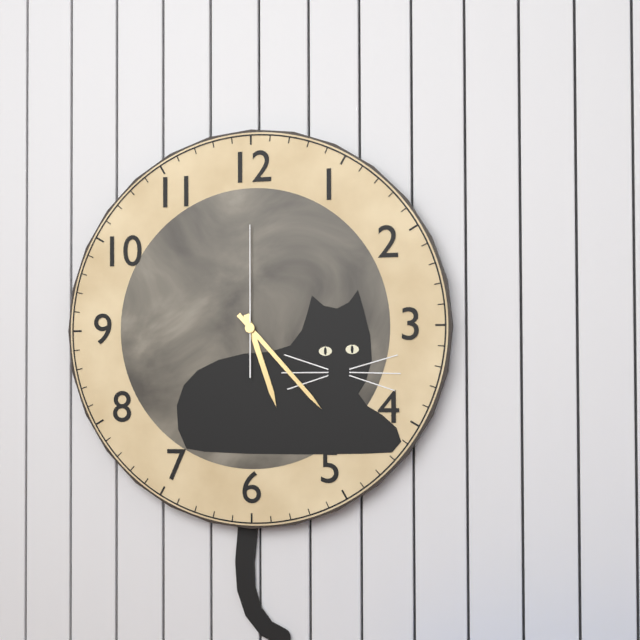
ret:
{"hour": 5, "minute": 23, "second": 0}
